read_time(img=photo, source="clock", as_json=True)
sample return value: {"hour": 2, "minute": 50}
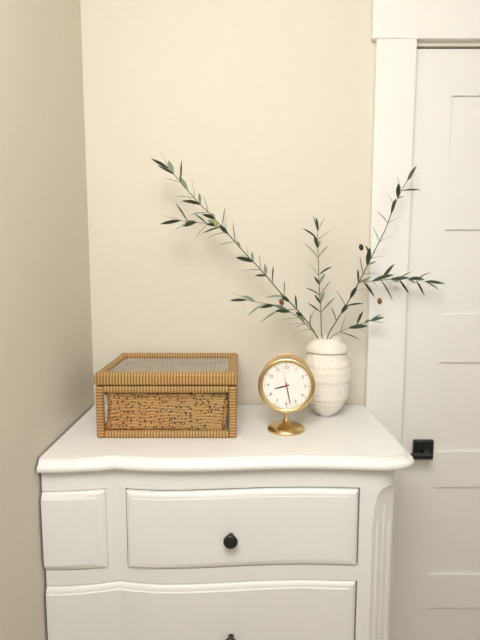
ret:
{"hour": 8, "minute": 28}
